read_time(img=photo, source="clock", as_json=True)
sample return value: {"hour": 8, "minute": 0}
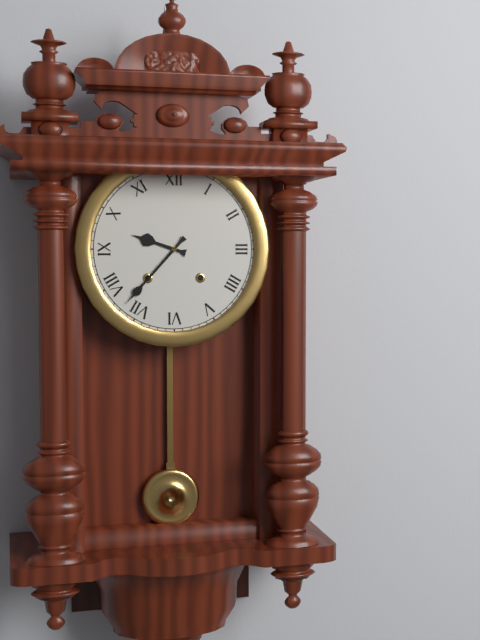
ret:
{"hour": 9, "minute": 37}
